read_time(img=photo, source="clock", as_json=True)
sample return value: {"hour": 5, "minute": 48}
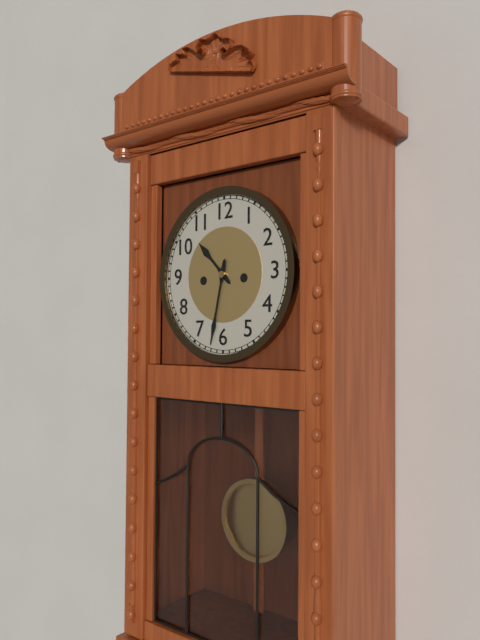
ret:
{"hour": 10, "minute": 32}
